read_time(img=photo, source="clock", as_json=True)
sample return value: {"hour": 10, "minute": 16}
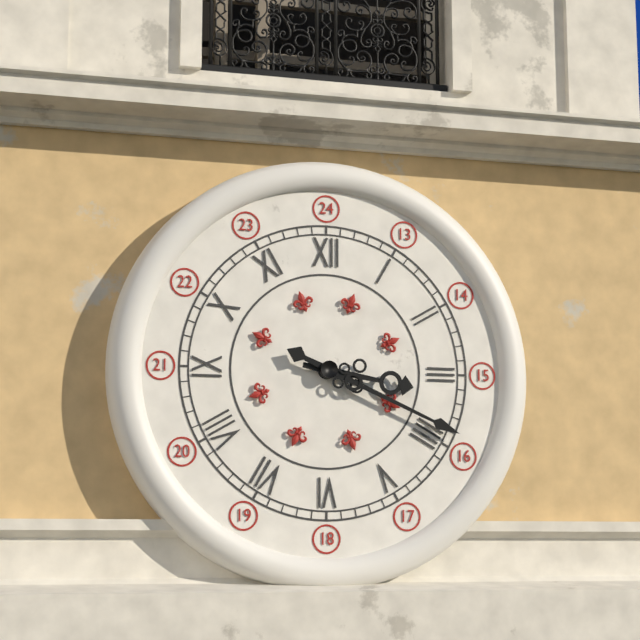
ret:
{"hour": 3, "minute": 19}
